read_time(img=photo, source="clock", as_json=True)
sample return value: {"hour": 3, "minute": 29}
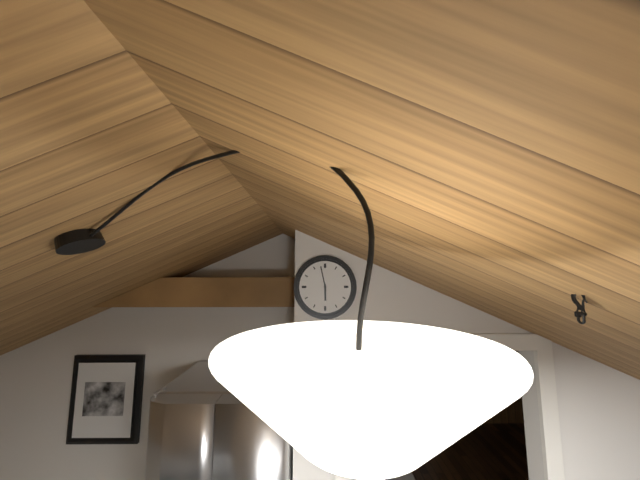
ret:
{"hour": 5, "minute": 58}
